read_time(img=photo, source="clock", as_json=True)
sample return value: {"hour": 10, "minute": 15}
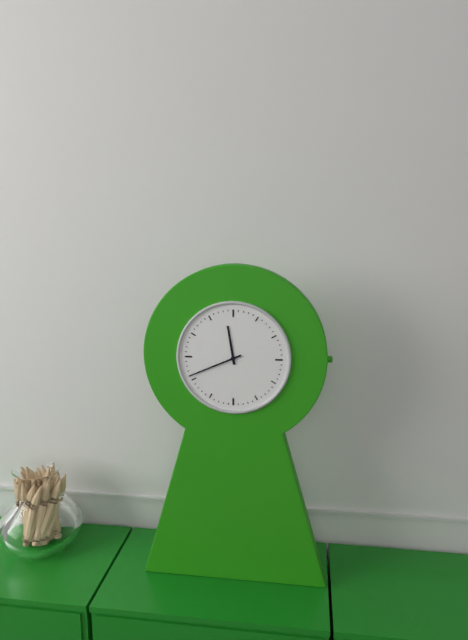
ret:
{"hour": 11, "minute": 41}
